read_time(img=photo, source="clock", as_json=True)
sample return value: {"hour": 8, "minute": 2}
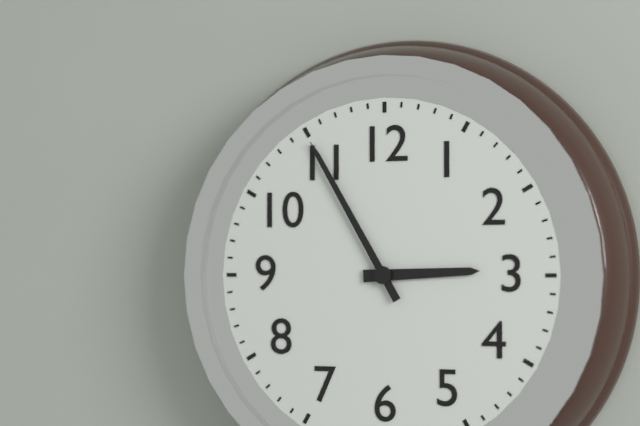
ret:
{"hour": 2, "minute": 55}
